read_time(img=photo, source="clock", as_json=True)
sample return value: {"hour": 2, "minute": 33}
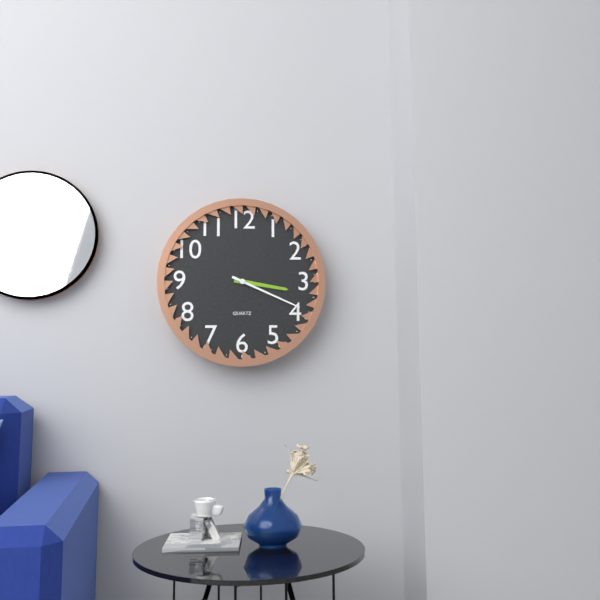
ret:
{"hour": 3, "minute": 19}
